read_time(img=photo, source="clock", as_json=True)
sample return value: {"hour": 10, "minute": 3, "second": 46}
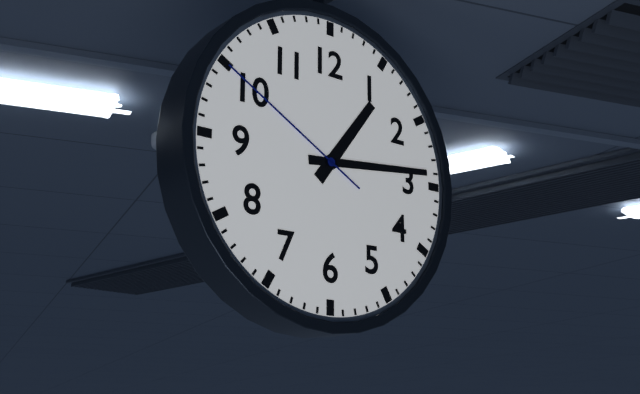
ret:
{"hour": 1, "minute": 14, "second": 50}
